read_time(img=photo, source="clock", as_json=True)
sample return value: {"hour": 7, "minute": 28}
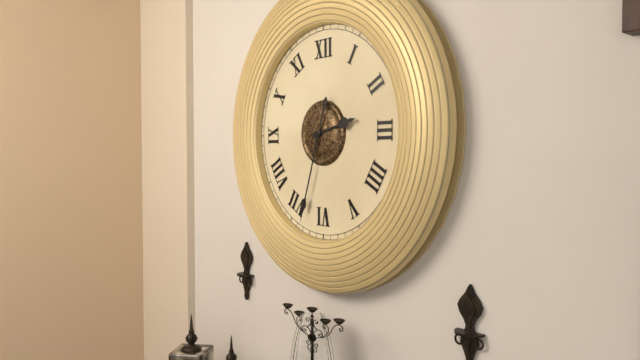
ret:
{"hour": 2, "minute": 33}
